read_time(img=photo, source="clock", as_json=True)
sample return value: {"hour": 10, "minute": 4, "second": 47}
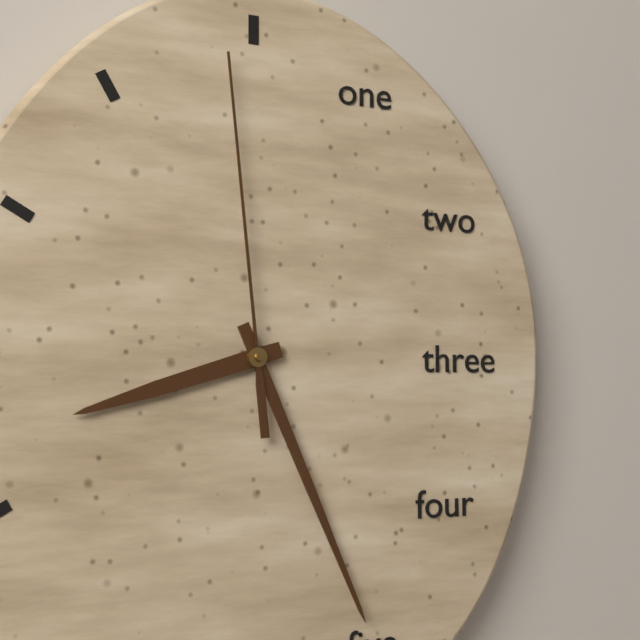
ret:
{"hour": 8, "minute": 26, "second": 59}
